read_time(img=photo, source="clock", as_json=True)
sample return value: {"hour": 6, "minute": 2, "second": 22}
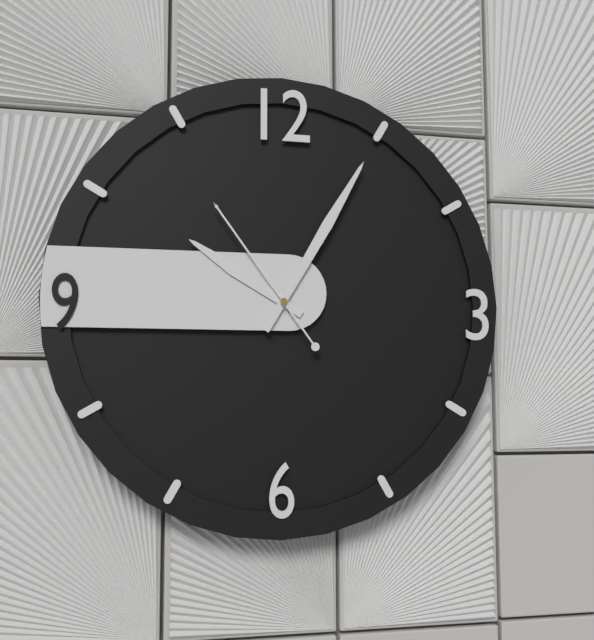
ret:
{"hour": 10, "minute": 5, "second": 54}
